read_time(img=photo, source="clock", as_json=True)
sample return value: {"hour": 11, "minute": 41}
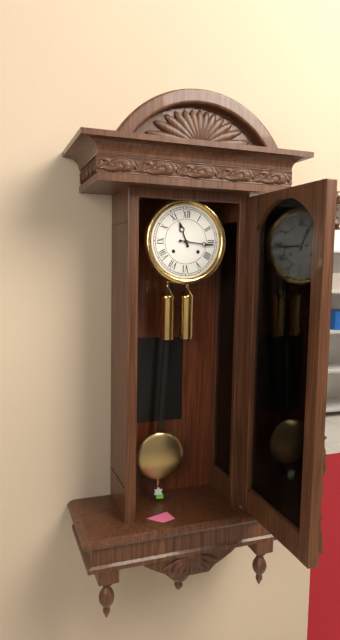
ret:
{"hour": 11, "minute": 16}
